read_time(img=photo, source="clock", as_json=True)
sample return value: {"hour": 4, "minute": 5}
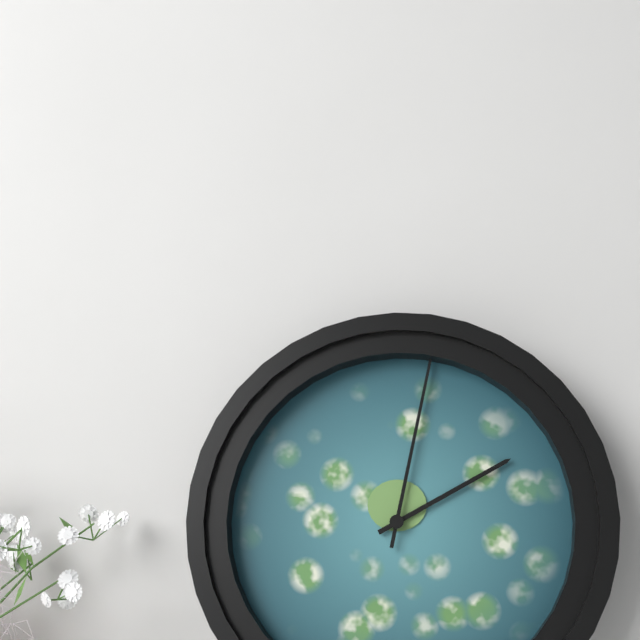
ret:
{"hour": 2, "minute": 2}
